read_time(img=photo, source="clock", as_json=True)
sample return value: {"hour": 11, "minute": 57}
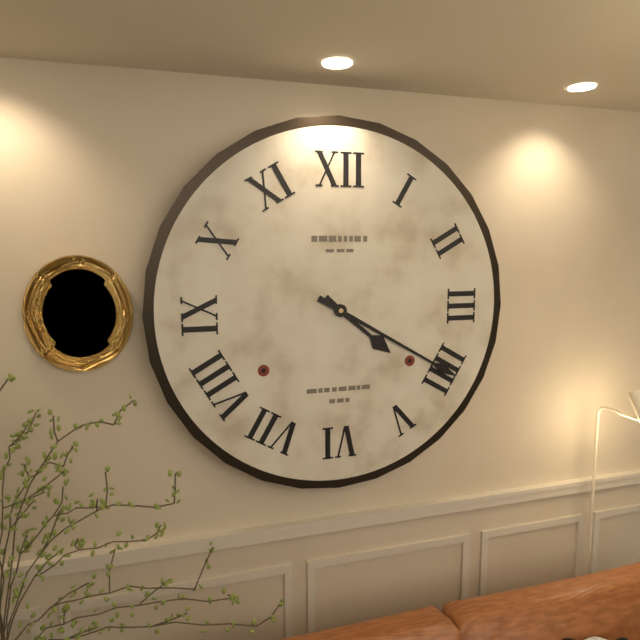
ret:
{"hour": 4, "minute": 20}
